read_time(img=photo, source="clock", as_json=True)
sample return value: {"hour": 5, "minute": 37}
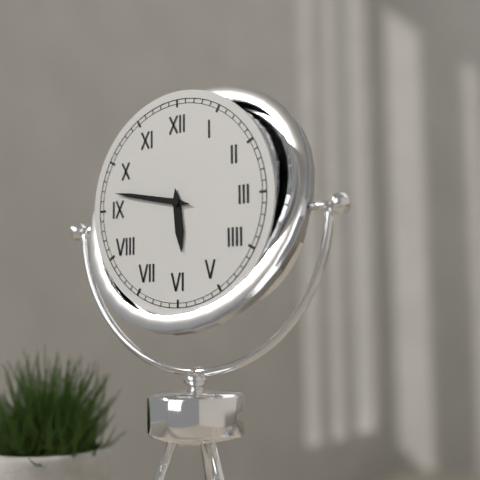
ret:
{"hour": 5, "minute": 47}
